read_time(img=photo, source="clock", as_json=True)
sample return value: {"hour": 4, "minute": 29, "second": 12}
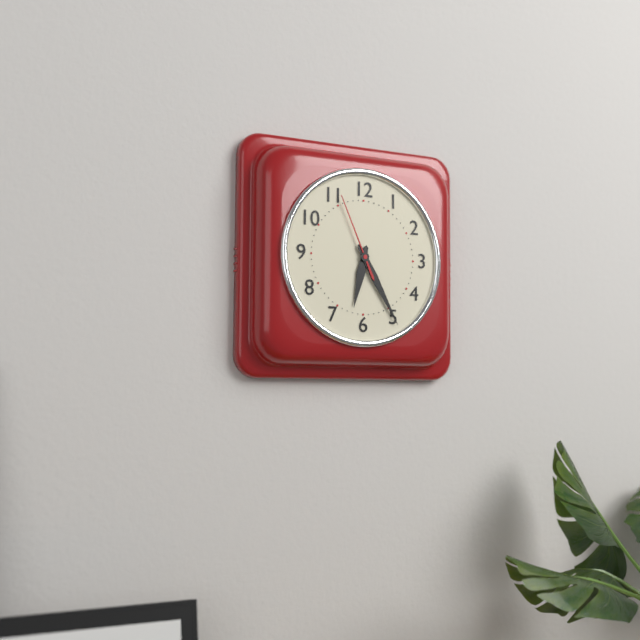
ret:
{"hour": 6, "minute": 25, "second": 56}
